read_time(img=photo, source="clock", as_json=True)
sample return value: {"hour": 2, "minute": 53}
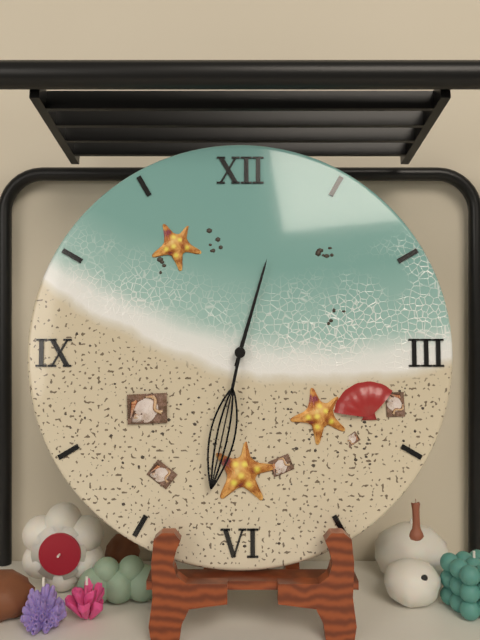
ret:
{"hour": 12, "minute": 32}
